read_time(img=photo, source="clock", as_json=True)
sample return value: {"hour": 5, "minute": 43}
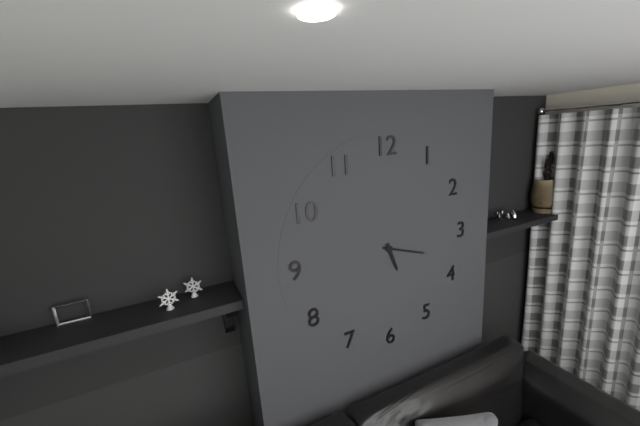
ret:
{"hour": 5, "minute": 18}
